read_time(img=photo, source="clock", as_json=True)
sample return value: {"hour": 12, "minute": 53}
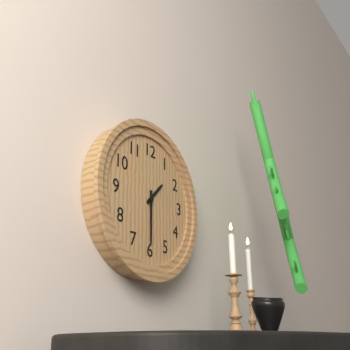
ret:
{"hour": 1, "minute": 30}
